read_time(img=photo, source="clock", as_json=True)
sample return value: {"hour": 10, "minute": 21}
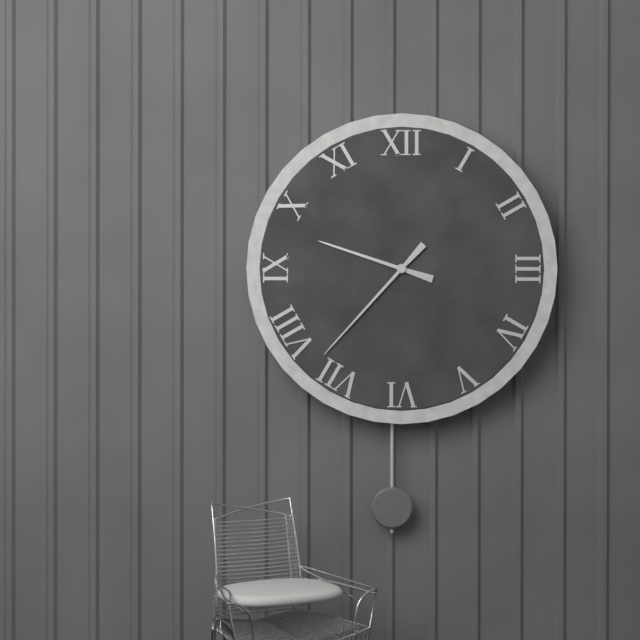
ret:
{"hour": 9, "minute": 37}
